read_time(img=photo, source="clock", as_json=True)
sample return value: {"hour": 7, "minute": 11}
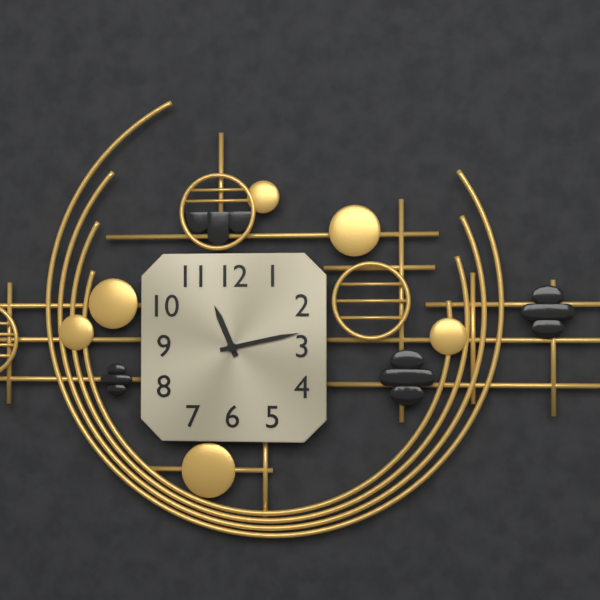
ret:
{"hour": 11, "minute": 13}
